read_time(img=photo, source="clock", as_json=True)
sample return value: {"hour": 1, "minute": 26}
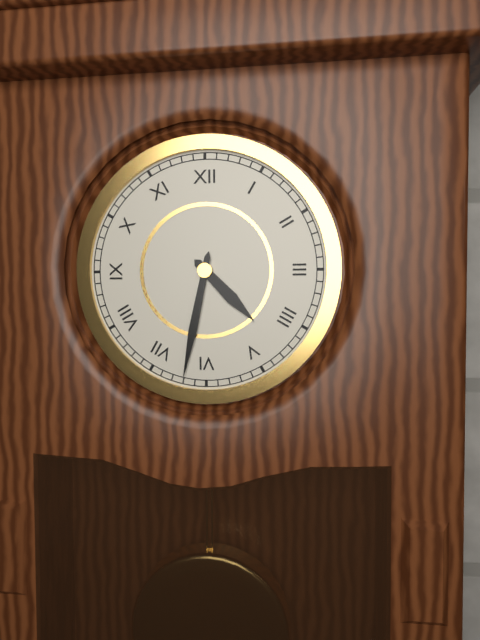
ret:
{"hour": 4, "minute": 32}
